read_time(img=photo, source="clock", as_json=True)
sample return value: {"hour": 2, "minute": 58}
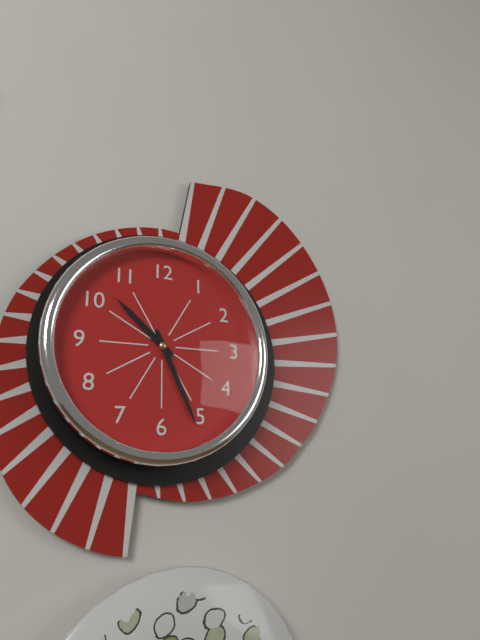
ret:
{"hour": 10, "minute": 26}
